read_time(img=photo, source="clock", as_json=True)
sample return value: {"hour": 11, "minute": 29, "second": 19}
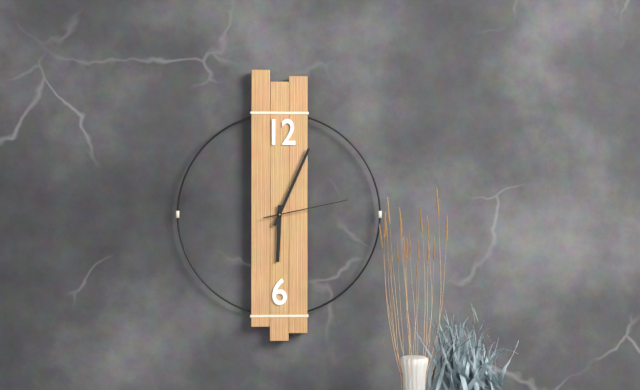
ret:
{"hour": 6, "minute": 4, "second": 13}
